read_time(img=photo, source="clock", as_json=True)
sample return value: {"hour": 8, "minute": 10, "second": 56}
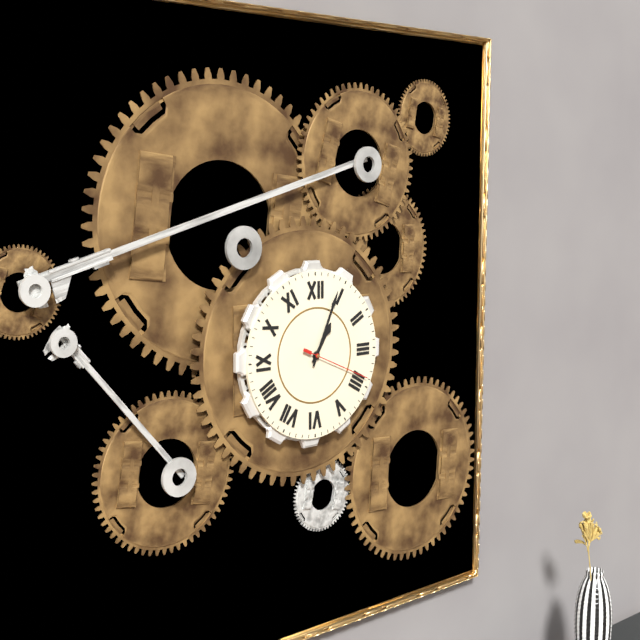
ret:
{"hour": 1, "minute": 4, "second": 19}
